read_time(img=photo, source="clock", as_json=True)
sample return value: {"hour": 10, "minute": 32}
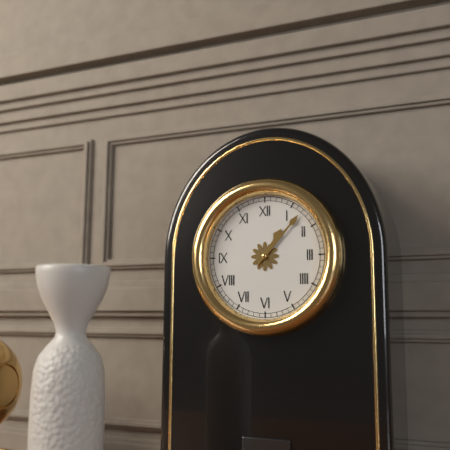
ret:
{"hour": 1, "minute": 7}
